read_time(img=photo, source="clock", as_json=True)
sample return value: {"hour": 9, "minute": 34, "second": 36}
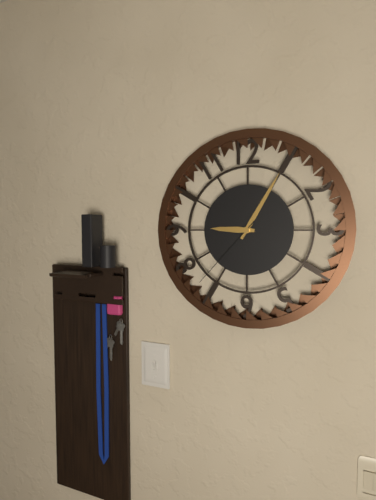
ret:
{"hour": 9, "minute": 5, "second": 37}
